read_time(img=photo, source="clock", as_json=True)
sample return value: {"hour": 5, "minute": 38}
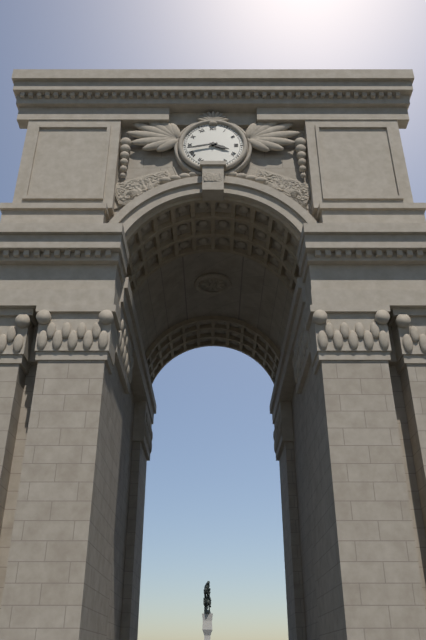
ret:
{"hour": 3, "minute": 43}
